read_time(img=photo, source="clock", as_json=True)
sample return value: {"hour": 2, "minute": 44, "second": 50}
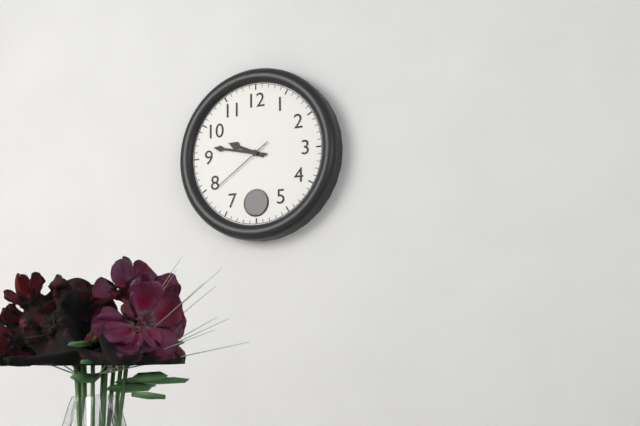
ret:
{"hour": 9, "minute": 47, "second": 39}
